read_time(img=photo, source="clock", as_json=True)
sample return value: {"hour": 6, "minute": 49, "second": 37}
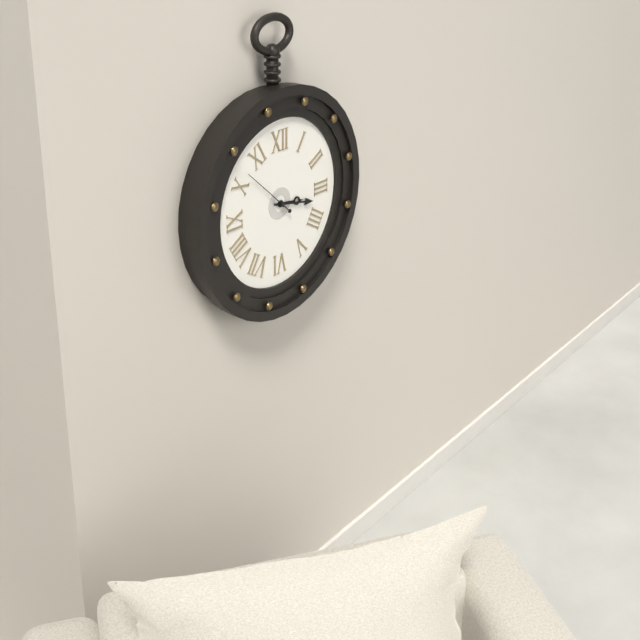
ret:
{"hour": 3, "minute": 17, "second": 52}
